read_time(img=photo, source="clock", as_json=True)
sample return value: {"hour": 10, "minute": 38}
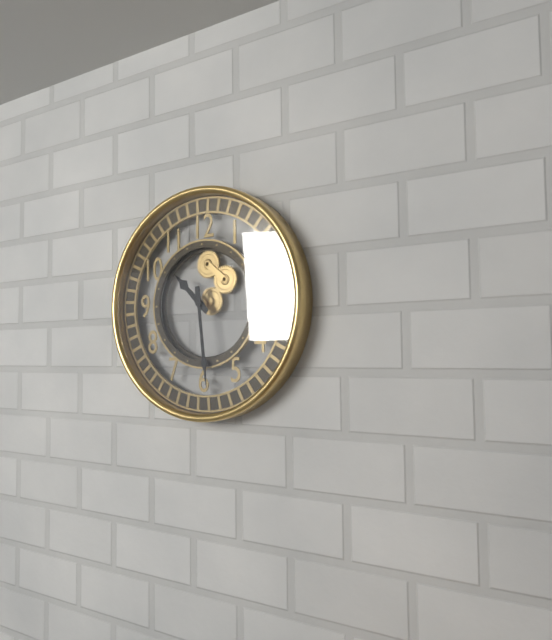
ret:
{"hour": 10, "minute": 29}
